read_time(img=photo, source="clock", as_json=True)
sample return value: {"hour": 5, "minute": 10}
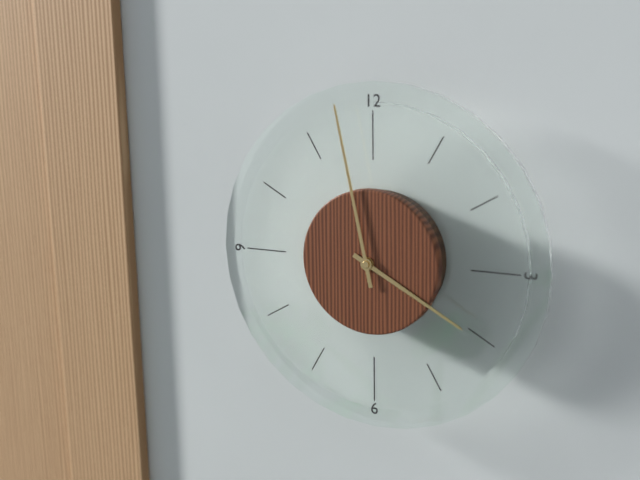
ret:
{"hour": 3, "minute": 58}
